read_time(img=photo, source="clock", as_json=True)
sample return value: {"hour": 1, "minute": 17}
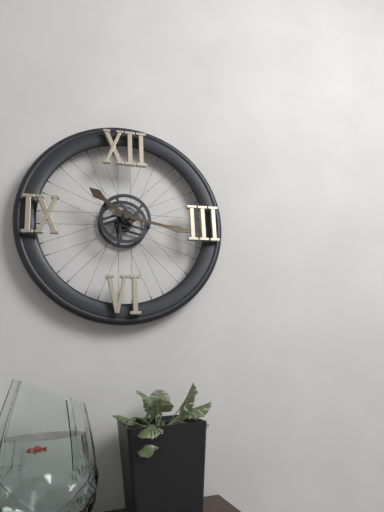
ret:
{"hour": 10, "minute": 17}
